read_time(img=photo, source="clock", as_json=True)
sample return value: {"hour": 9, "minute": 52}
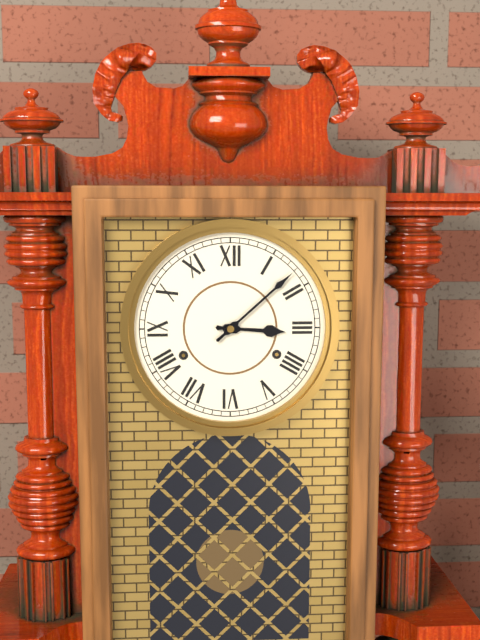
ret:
{"hour": 3, "minute": 8}
